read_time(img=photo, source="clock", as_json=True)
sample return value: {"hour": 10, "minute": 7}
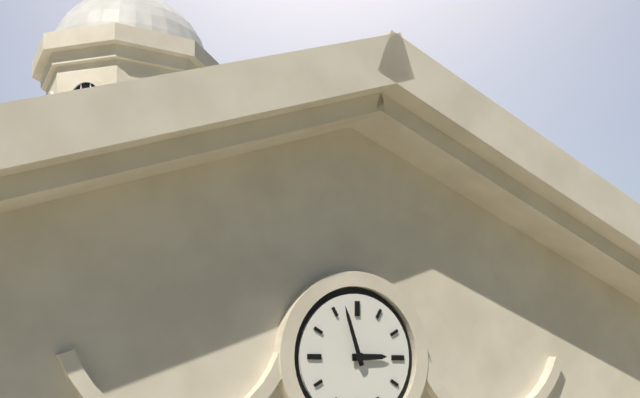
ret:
{"hour": 2, "minute": 57}
